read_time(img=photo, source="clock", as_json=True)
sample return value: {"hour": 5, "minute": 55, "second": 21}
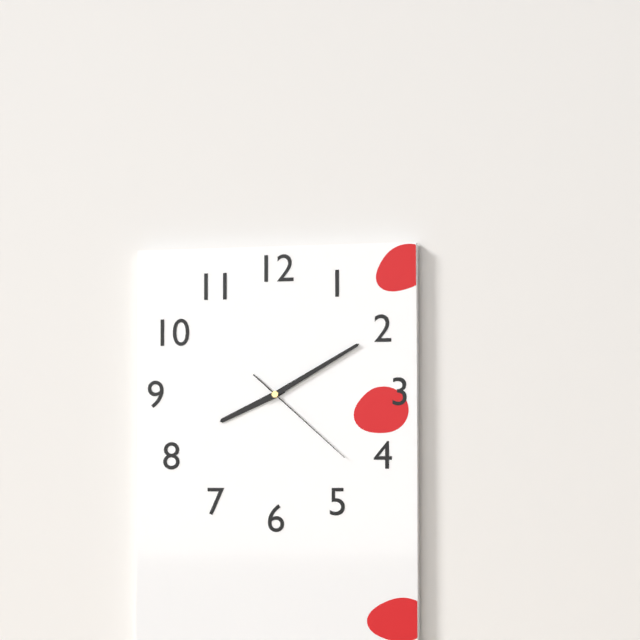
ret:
{"hour": 8, "minute": 10, "second": 22}
